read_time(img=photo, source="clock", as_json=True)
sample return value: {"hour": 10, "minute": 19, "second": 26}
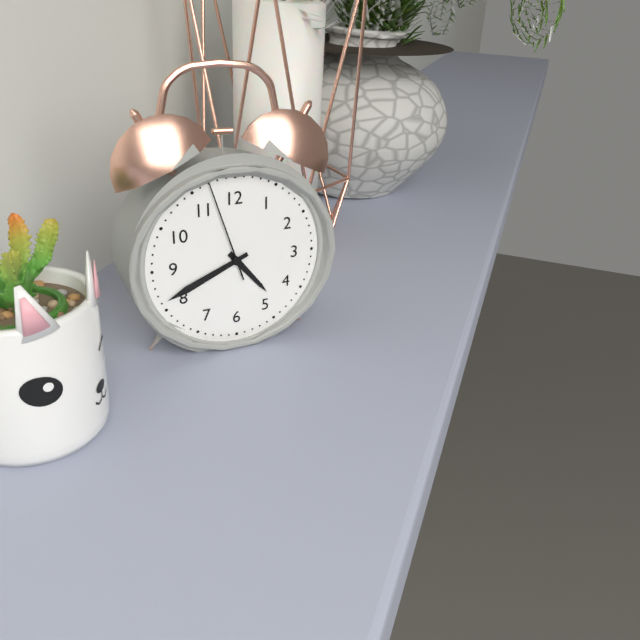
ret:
{"hour": 4, "minute": 41, "second": 57}
